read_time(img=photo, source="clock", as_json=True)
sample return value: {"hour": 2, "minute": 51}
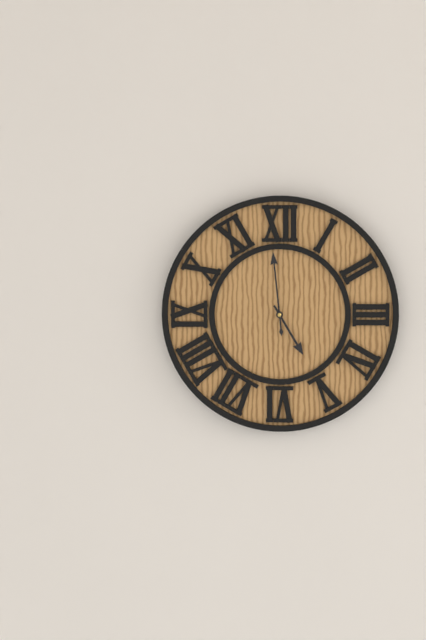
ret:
{"hour": 4, "minute": 59}
